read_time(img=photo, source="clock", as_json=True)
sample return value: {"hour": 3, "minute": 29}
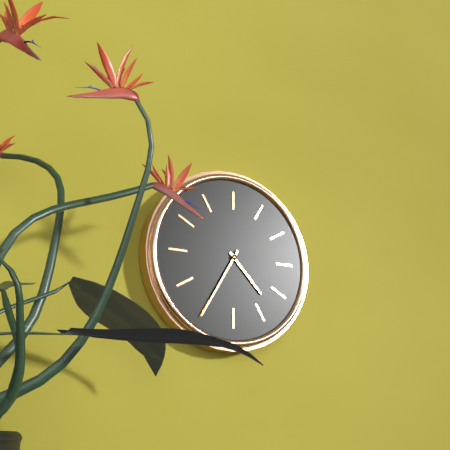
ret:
{"hour": 4, "minute": 35}
